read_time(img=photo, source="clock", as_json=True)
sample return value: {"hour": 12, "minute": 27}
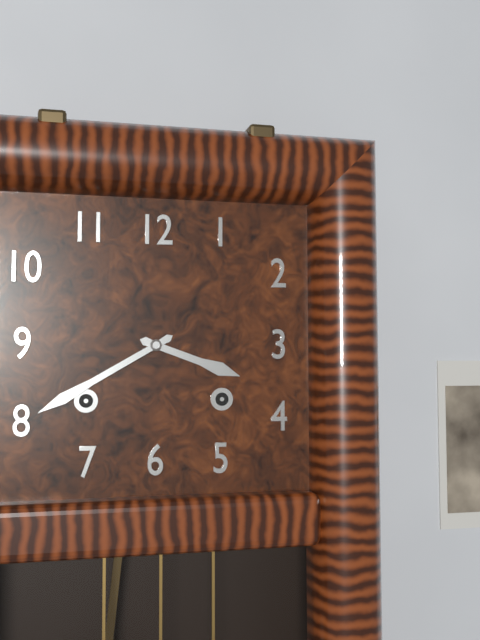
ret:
{"hour": 3, "minute": 40}
